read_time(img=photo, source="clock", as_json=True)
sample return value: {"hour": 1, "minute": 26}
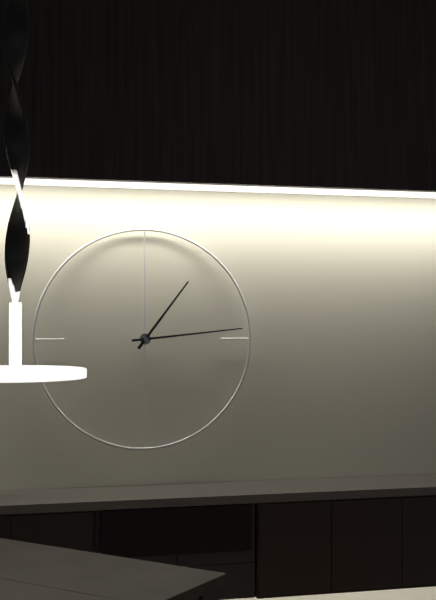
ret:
{"hour": 1, "minute": 14}
